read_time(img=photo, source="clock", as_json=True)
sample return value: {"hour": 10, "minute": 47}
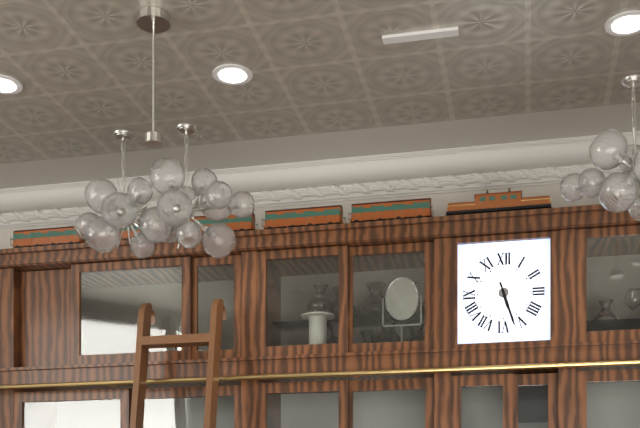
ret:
{"hour": 5, "minute": 27}
